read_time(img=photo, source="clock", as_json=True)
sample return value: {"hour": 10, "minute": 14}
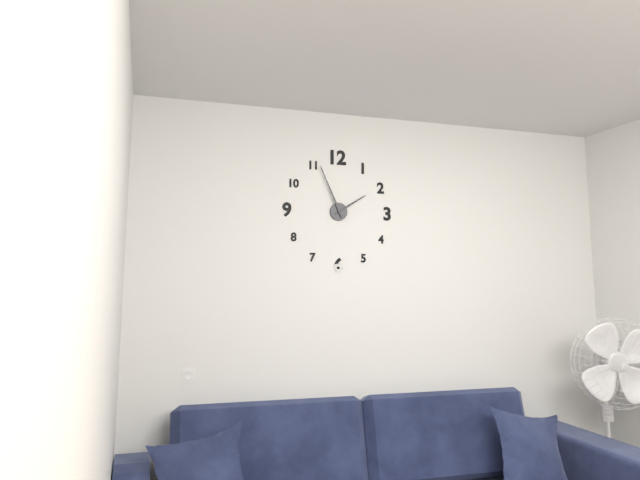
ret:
{"hour": 1, "minute": 56}
